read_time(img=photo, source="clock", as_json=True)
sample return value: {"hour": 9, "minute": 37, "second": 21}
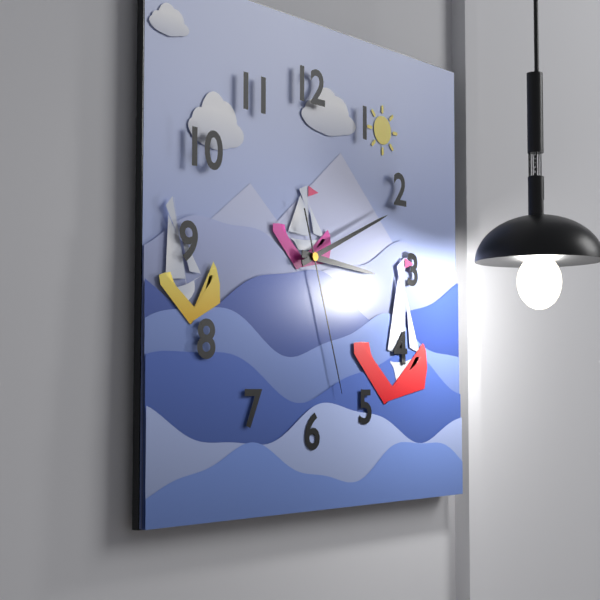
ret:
{"hour": 3, "minute": 11, "second": 27}
